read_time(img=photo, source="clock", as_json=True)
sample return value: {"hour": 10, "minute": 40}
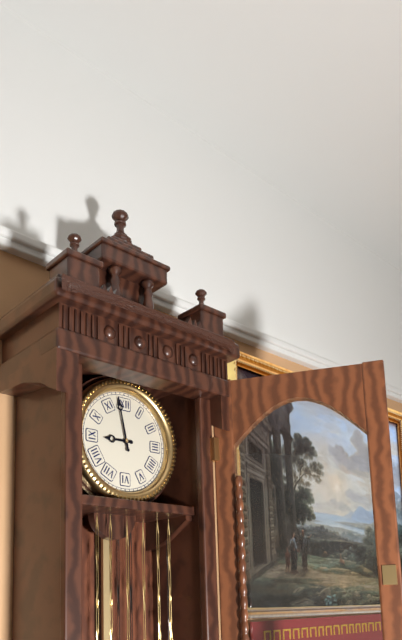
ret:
{"hour": 8, "minute": 58}
